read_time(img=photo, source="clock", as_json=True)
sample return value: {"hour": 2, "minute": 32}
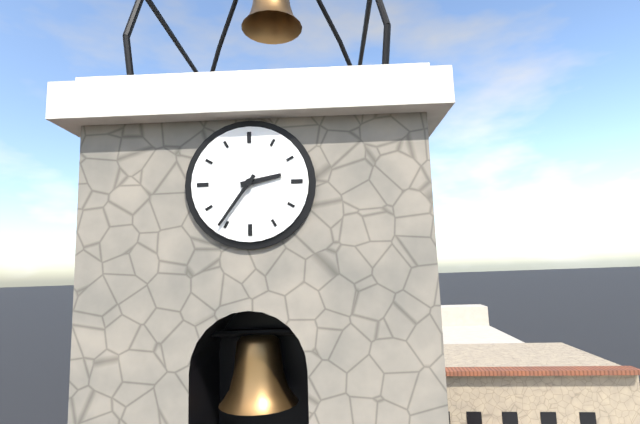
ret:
{"hour": 2, "minute": 36}
